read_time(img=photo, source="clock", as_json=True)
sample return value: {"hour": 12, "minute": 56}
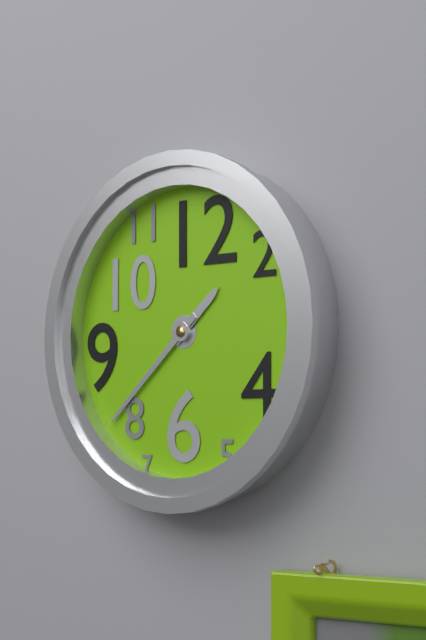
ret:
{"hour": 1, "minute": 38}
